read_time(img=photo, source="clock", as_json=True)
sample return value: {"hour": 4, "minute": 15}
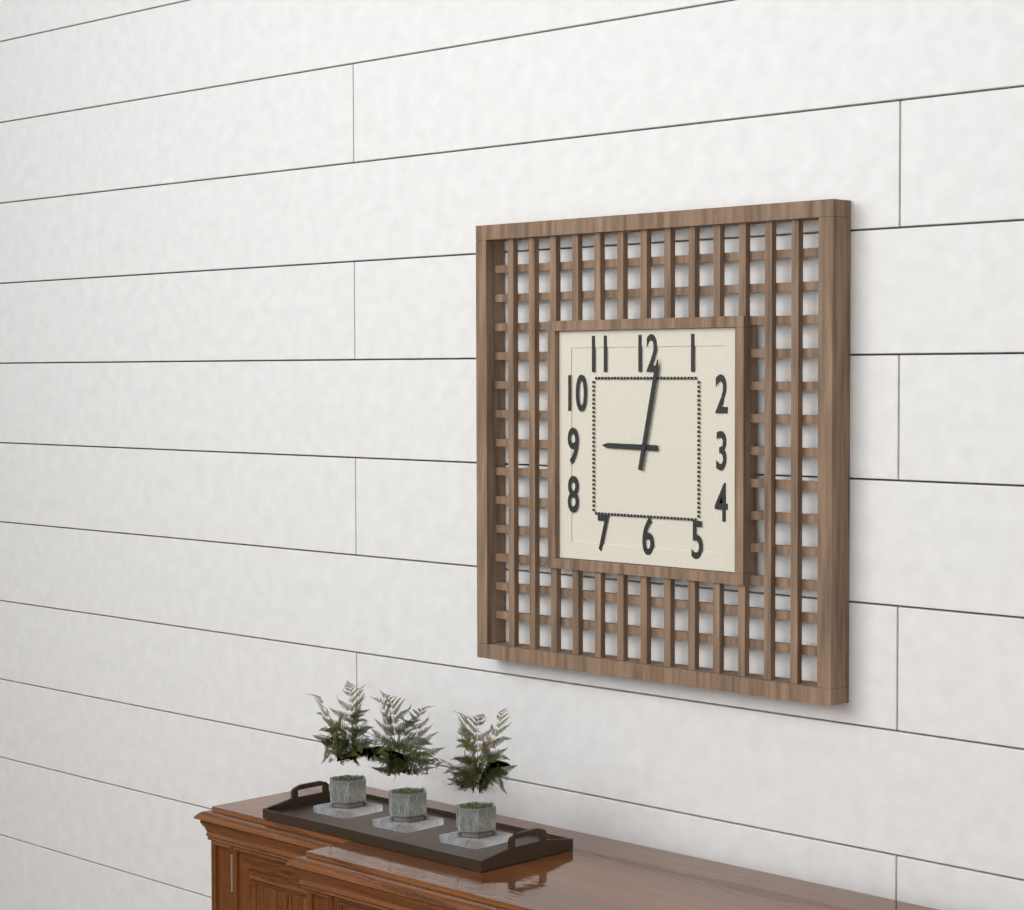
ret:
{"hour": 9, "minute": 2}
